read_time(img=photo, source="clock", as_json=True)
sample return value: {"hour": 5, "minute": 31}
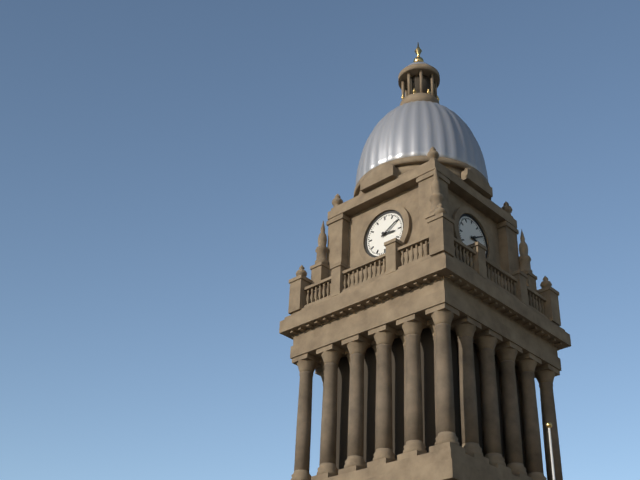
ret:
{"hour": 3, "minute": 10}
